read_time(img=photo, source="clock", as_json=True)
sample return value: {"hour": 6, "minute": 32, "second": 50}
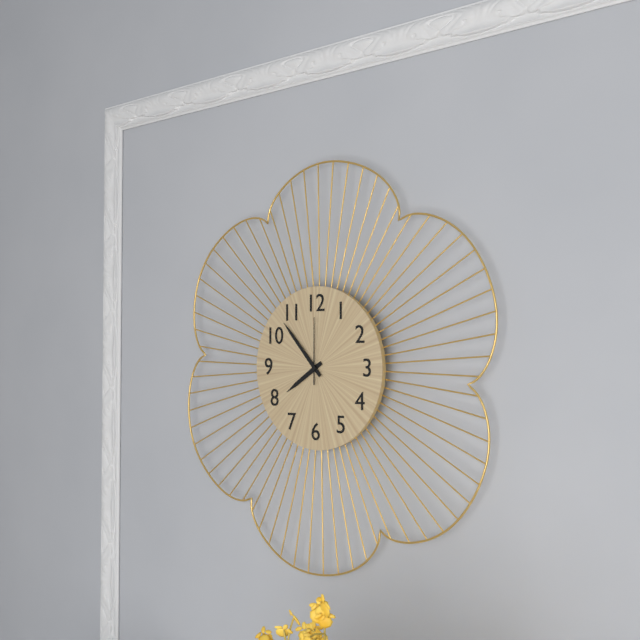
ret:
{"hour": 7, "minute": 53, "second": 0}
